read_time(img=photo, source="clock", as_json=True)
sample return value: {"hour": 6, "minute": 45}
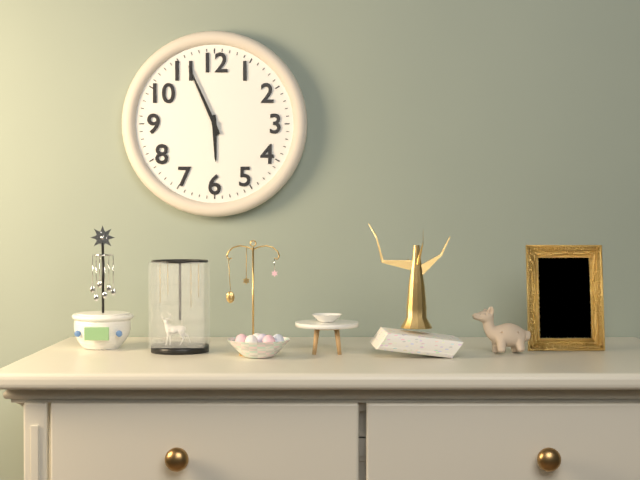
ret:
{"hour": 5, "minute": 56}
